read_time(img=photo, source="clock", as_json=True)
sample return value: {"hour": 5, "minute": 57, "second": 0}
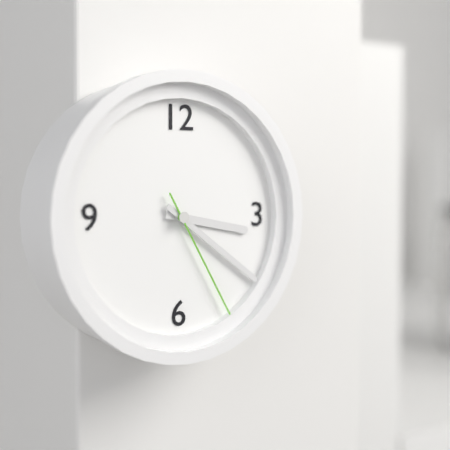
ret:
{"hour": 3, "minute": 21, "second": 25}
